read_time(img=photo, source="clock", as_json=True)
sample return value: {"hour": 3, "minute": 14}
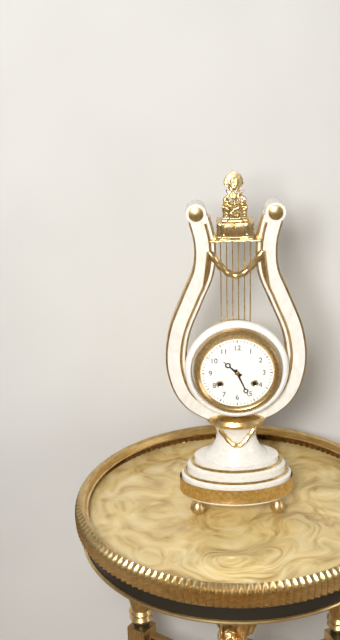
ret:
{"hour": 10, "minute": 26}
